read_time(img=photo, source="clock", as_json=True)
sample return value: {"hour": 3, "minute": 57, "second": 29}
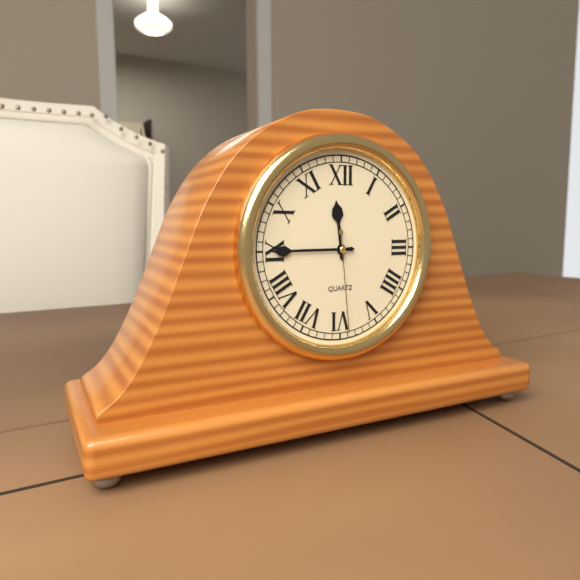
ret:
{"hour": 11, "minute": 45, "second": 29}
